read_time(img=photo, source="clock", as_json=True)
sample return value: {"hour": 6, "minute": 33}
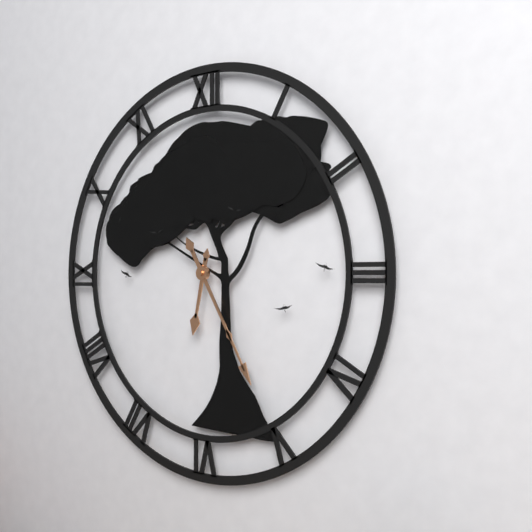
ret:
{"hour": 6, "minute": 25}
